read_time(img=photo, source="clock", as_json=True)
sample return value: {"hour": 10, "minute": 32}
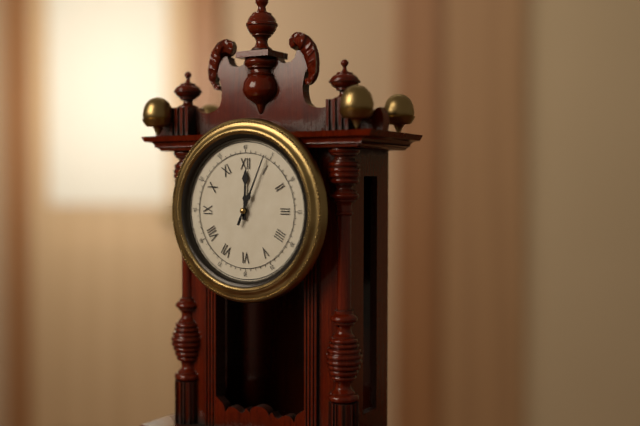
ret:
{"hour": 12, "minute": 4}
